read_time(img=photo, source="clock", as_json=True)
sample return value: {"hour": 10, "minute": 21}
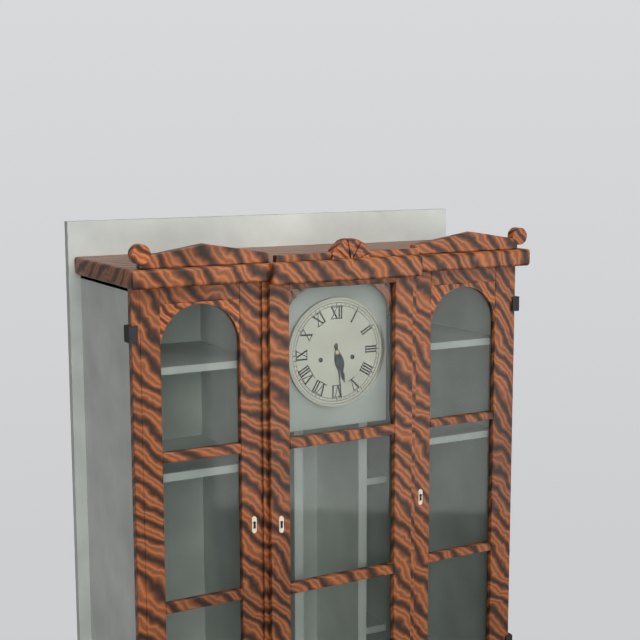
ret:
{"hour": 5, "minute": 29}
